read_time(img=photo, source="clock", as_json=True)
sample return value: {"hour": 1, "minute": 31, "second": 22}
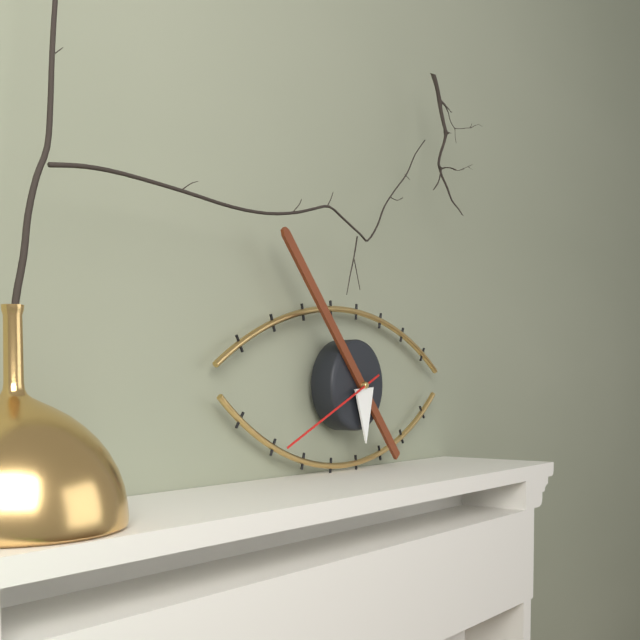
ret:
{"hour": 5, "minute": 53, "second": 41}
